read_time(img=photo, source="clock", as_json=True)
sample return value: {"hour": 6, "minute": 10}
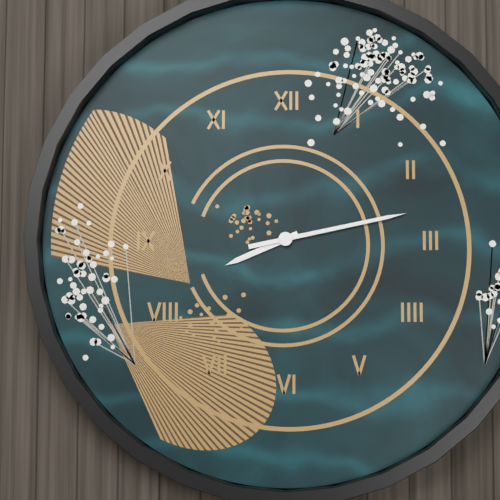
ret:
{"hour": 8, "minute": 13}
